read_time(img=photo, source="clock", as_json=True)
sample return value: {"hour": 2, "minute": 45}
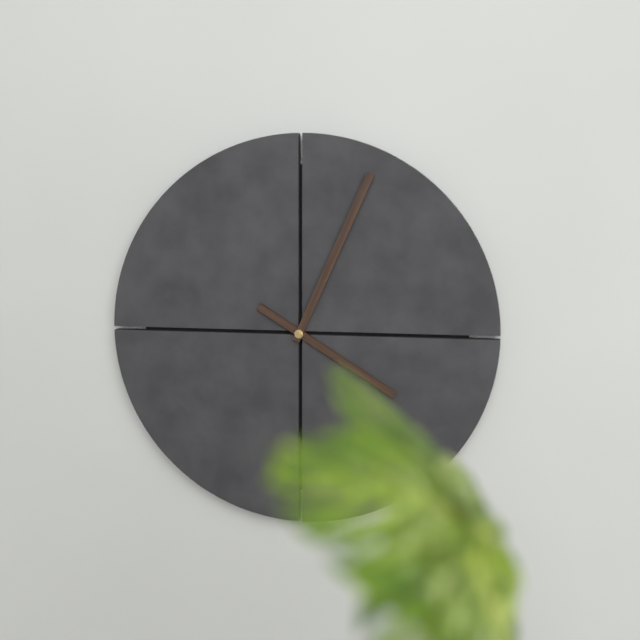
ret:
{"hour": 4, "minute": 4}
